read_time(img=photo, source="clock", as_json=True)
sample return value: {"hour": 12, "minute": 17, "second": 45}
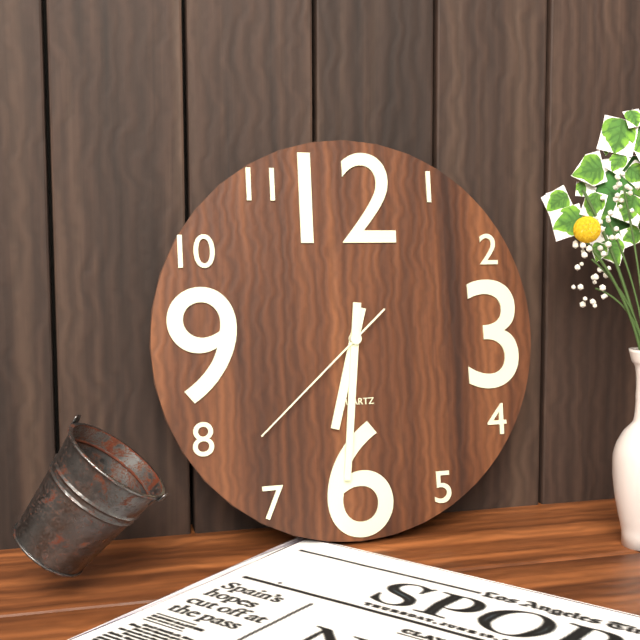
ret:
{"hour": 6, "minute": 31, "second": 38}
